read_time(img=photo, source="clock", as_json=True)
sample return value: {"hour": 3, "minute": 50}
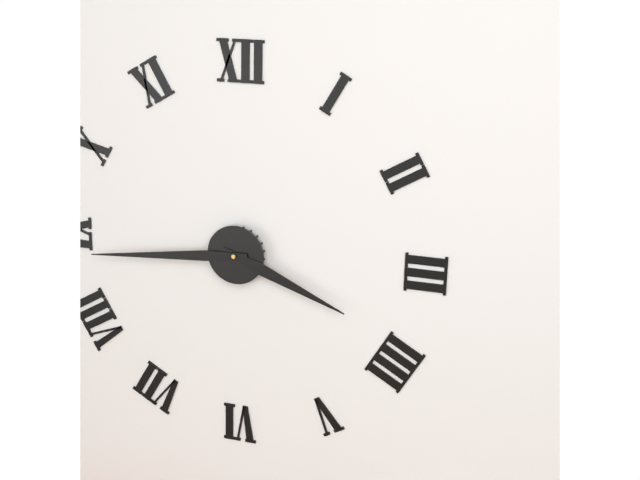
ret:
{"hour": 3, "minute": 44}
